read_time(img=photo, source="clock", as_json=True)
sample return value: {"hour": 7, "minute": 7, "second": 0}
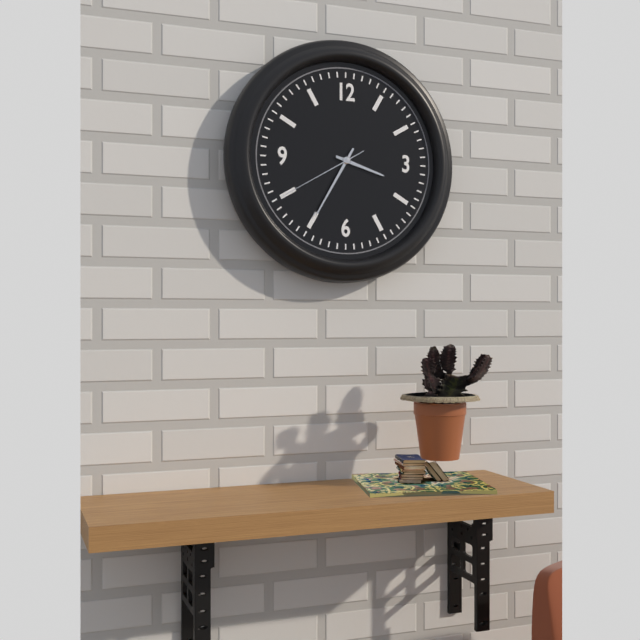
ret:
{"hour": 3, "minute": 35, "second": 40}
